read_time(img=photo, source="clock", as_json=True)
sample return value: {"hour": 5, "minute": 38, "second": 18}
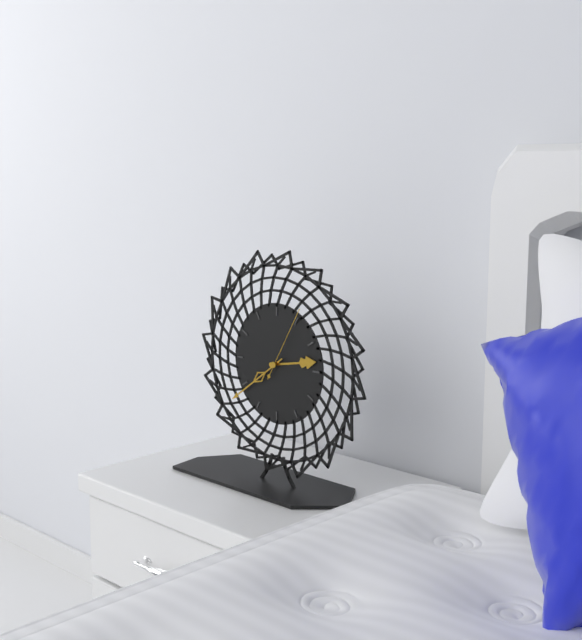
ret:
{"hour": 2, "minute": 39, "second": 5}
